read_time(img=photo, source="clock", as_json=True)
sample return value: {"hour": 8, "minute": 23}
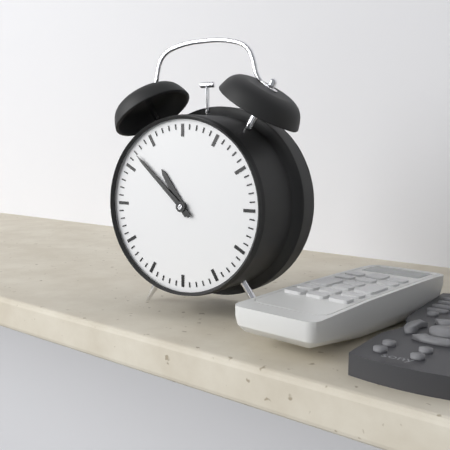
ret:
{"hour": 10, "minute": 52}
